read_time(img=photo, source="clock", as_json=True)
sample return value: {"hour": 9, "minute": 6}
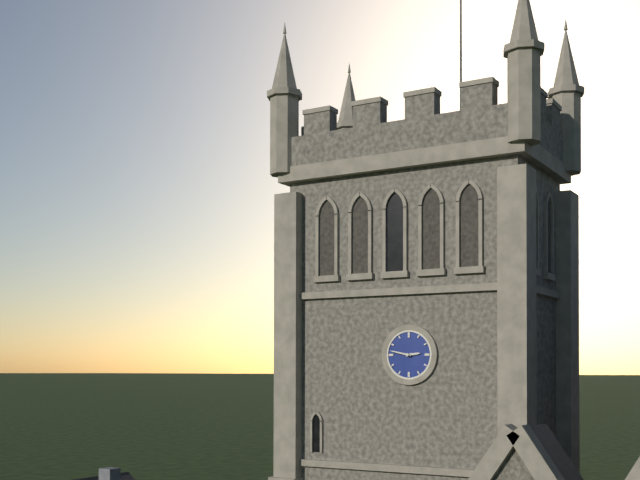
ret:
{"hour": 2, "minute": 47}
